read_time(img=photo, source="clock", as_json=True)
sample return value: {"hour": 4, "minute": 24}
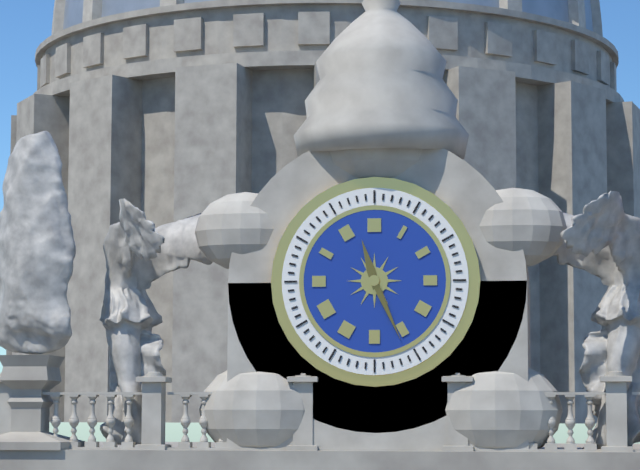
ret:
{"hour": 11, "minute": 26}
